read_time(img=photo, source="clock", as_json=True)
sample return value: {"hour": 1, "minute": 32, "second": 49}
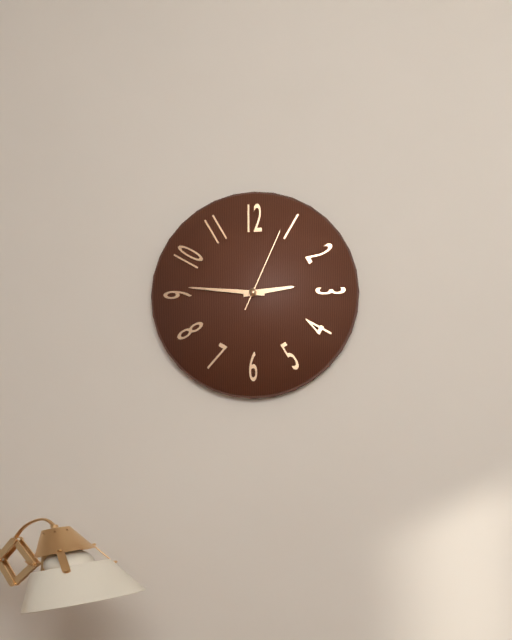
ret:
{"hour": 2, "minute": 46, "second": 4}
